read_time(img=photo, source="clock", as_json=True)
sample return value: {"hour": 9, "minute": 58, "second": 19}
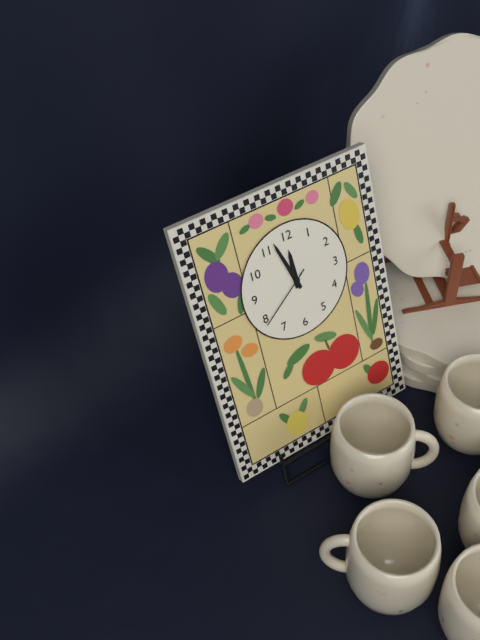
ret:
{"hour": 11, "minute": 57, "second": 39}
